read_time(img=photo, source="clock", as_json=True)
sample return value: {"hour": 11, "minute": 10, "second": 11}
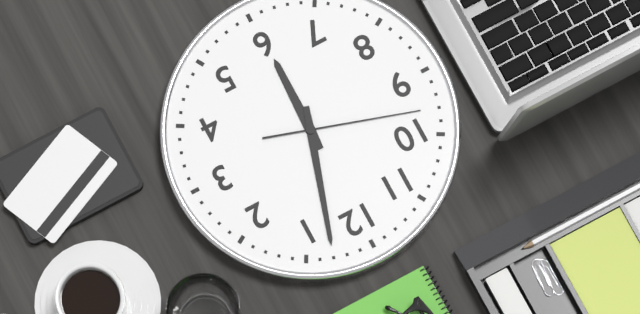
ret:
{"hour": 6, "minute": 3, "second": 48}
